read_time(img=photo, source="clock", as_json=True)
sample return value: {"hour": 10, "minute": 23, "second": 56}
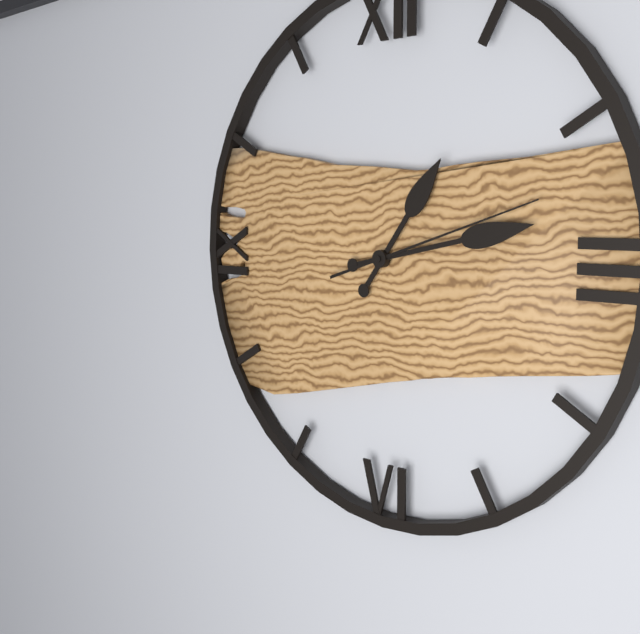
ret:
{"hour": 1, "minute": 13, "second": 12}
